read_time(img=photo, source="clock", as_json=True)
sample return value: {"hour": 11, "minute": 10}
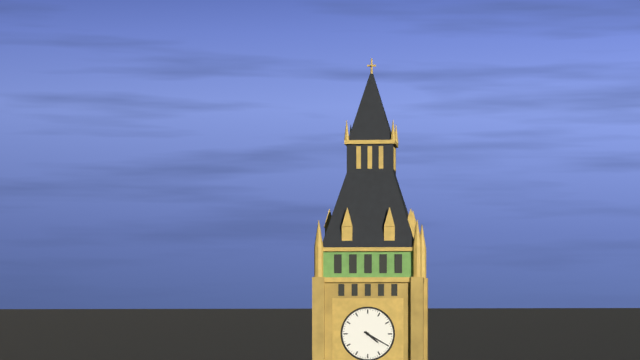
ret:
{"hour": 4, "minute": 20}
